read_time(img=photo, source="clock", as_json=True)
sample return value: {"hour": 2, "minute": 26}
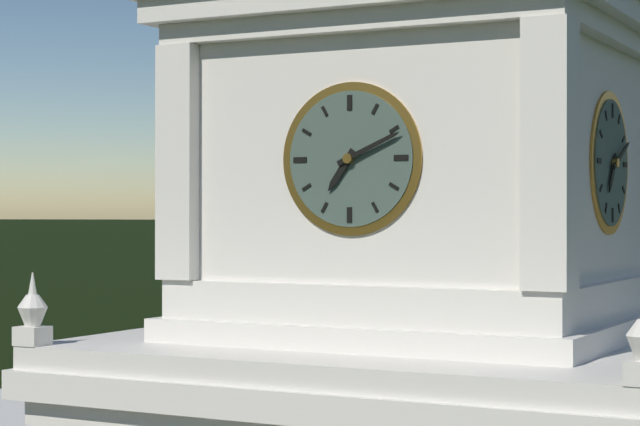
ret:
{"hour": 7, "minute": 11}
